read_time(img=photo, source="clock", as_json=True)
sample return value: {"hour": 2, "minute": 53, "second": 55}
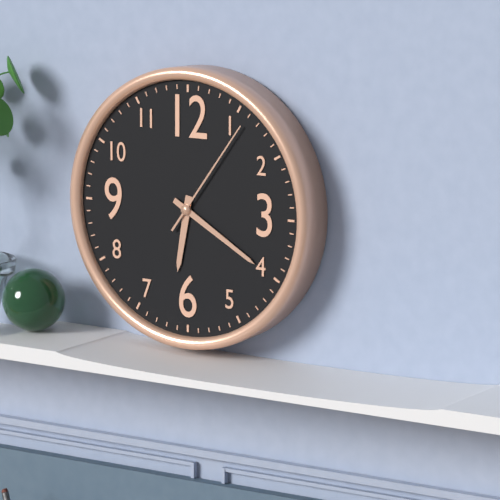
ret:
{"hour": 6, "minute": 20, "second": 6}
